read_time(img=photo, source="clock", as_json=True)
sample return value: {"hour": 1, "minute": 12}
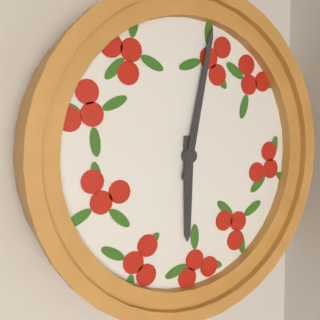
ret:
{"hour": 6, "minute": 2}
